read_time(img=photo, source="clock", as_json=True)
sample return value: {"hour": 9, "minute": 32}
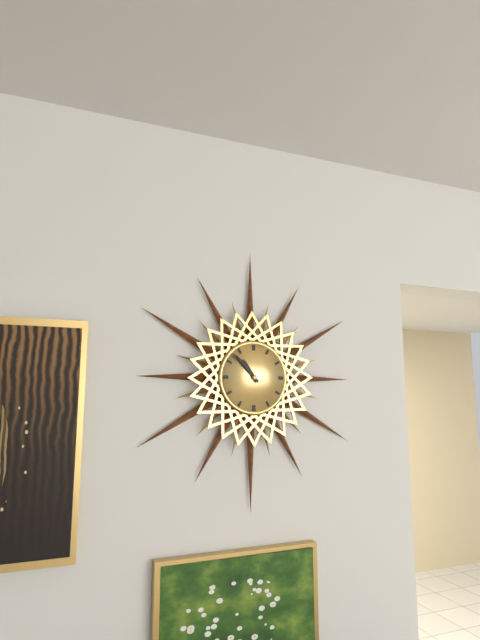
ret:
{"hour": 10, "minute": 53}
